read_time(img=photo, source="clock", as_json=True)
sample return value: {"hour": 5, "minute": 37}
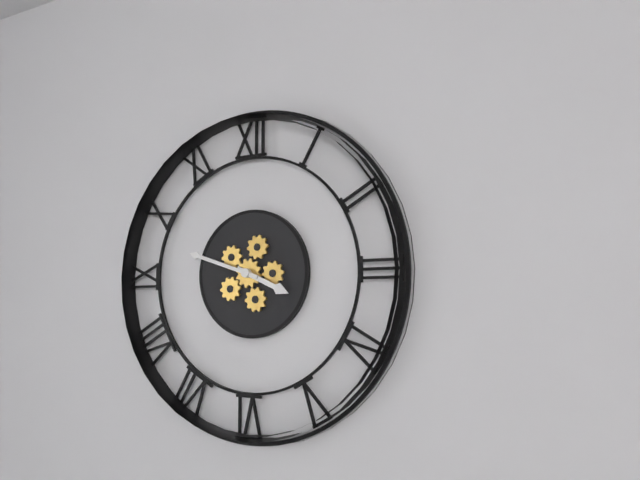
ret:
{"hour": 3, "minute": 48}
